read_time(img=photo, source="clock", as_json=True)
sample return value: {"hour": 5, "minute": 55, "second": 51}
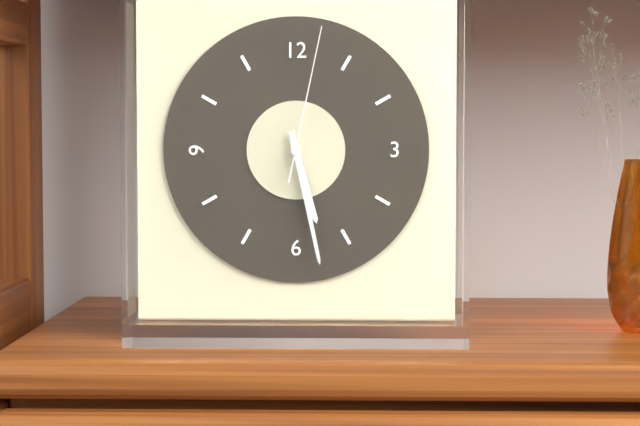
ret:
{"hour": 5, "minute": 28, "second": 2}
